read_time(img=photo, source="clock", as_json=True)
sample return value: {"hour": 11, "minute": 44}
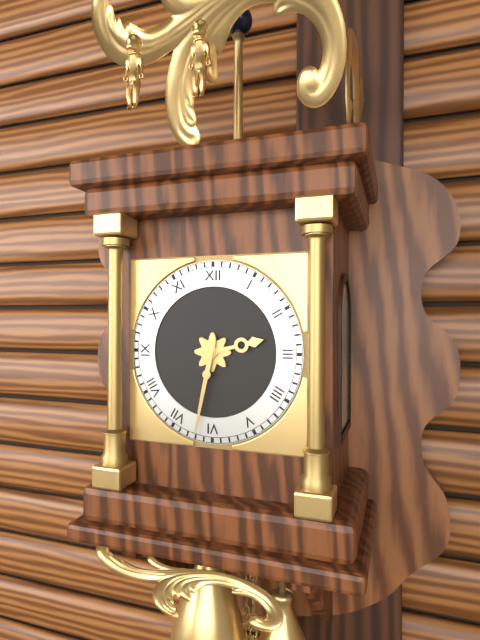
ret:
{"hour": 2, "minute": 32}
